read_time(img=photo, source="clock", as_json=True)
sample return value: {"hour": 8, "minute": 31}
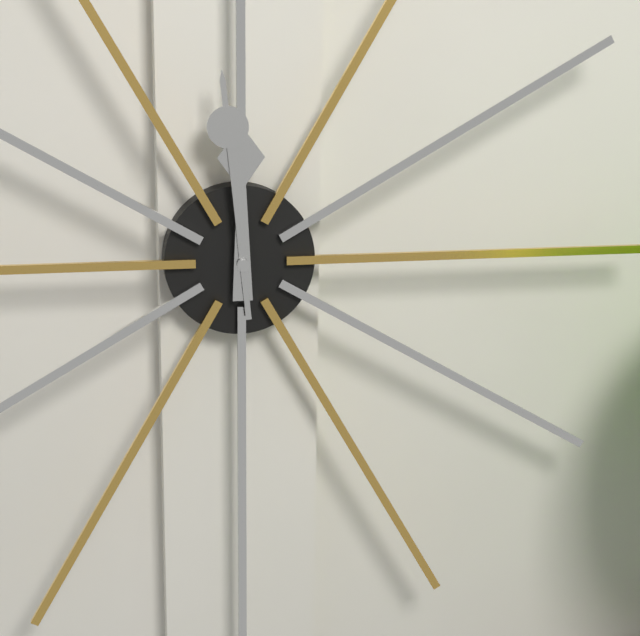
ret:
{"hour": 11, "minute": 59}
